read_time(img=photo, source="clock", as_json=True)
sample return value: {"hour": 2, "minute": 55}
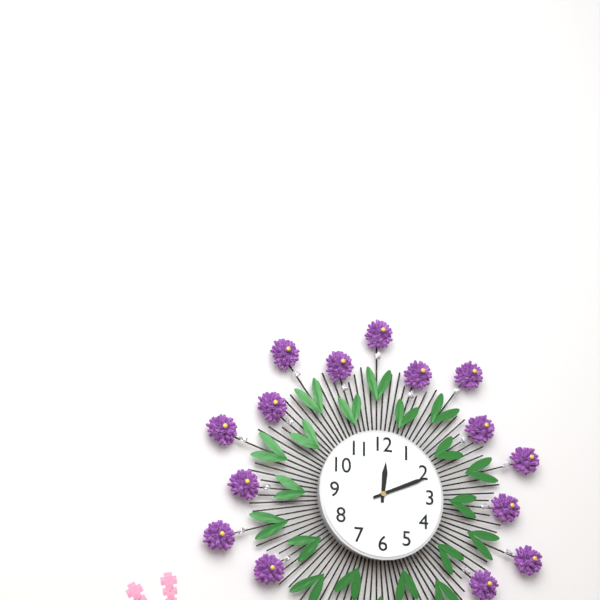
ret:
{"hour": 12, "minute": 11}
